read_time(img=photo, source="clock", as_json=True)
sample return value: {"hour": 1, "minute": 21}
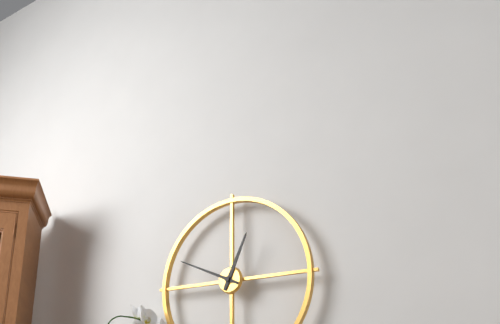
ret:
{"hour": 12, "minute": 49}
